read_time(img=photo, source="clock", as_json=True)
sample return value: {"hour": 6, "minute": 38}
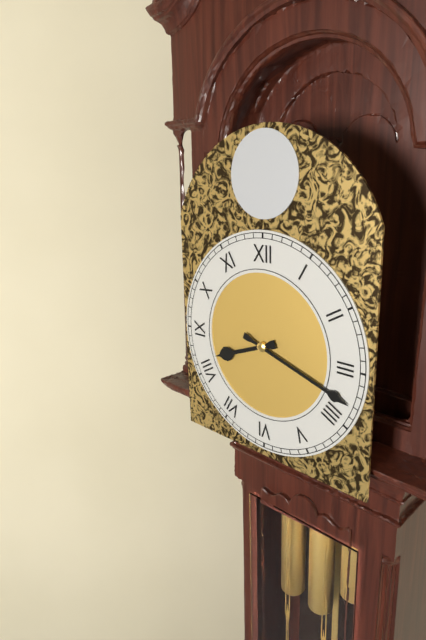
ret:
{"hour": 8, "minute": 18}
